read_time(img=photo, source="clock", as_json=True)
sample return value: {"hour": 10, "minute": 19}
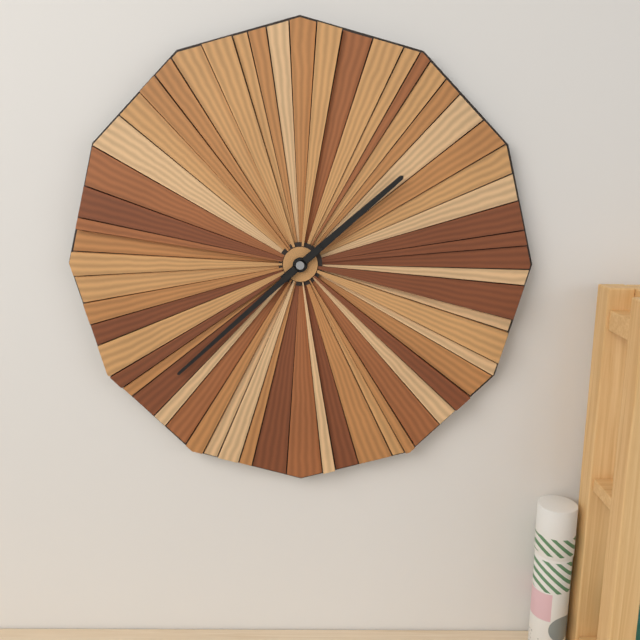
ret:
{"hour": 1, "minute": 38}
